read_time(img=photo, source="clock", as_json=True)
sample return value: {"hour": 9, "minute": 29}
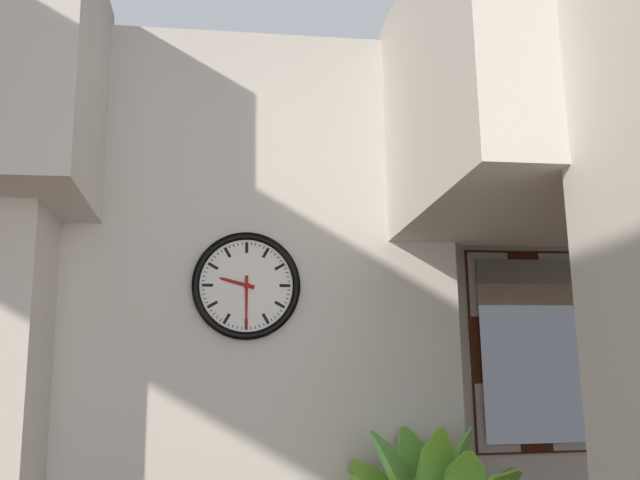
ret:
{"hour": 9, "minute": 30}
